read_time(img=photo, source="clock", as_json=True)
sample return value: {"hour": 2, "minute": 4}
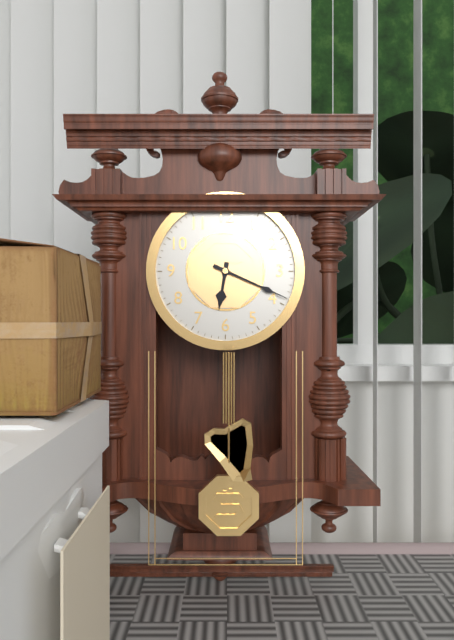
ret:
{"hour": 6, "minute": 19}
